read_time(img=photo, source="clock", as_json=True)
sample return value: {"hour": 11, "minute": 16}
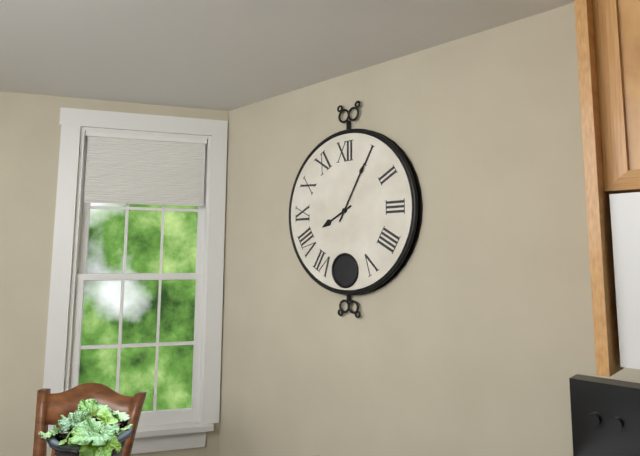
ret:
{"hour": 8, "minute": 5}
